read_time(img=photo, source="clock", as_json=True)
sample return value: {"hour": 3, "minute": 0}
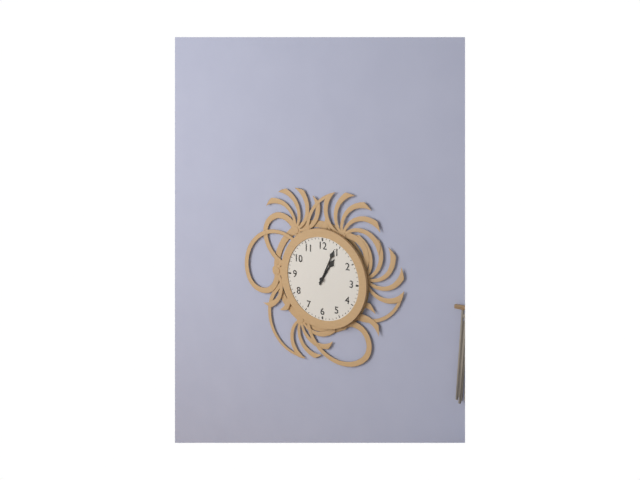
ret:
{"hour": 1, "minute": 4}
